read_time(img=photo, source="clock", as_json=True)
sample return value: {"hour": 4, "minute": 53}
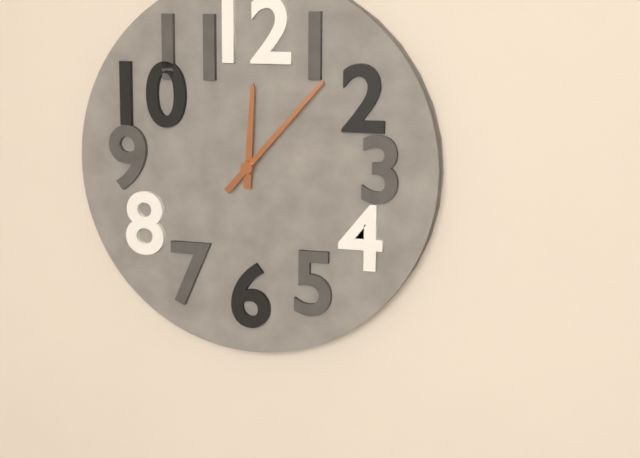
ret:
{"hour": 12, "minute": 7}
